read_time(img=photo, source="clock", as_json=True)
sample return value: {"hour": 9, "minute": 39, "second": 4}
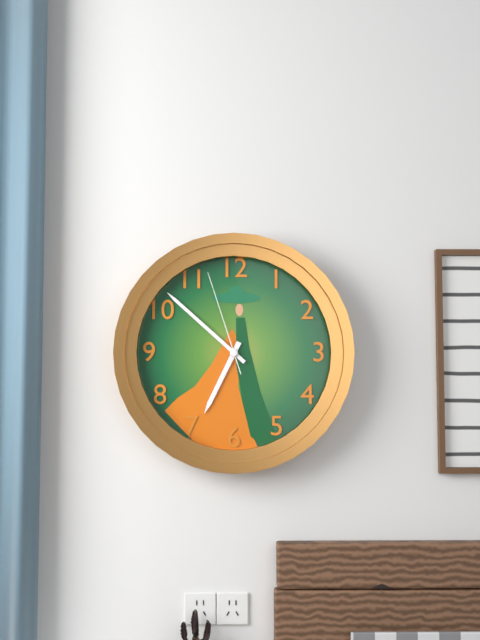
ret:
{"hour": 6, "minute": 52, "second": 57}
